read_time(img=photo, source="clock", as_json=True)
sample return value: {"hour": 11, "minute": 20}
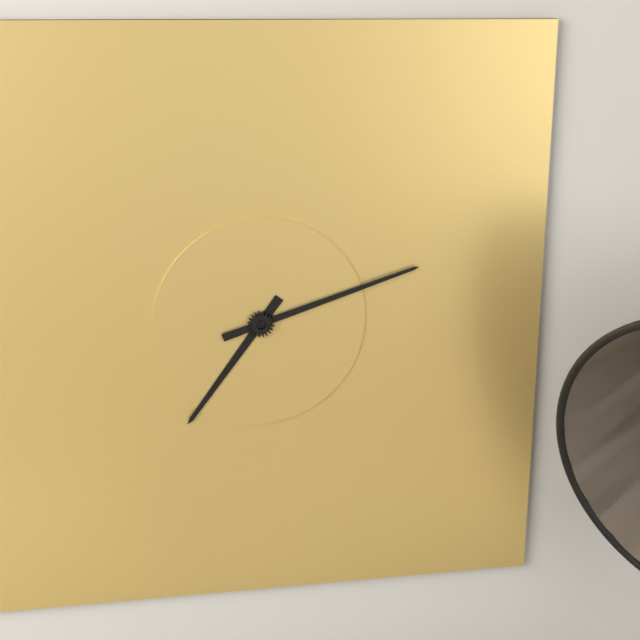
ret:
{"hour": 7, "minute": 12}
